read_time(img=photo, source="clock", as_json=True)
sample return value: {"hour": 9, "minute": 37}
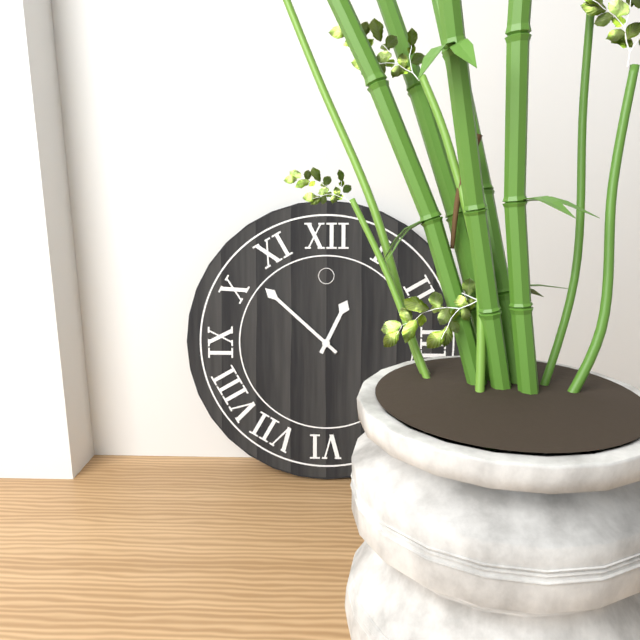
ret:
{"hour": 12, "minute": 52}
